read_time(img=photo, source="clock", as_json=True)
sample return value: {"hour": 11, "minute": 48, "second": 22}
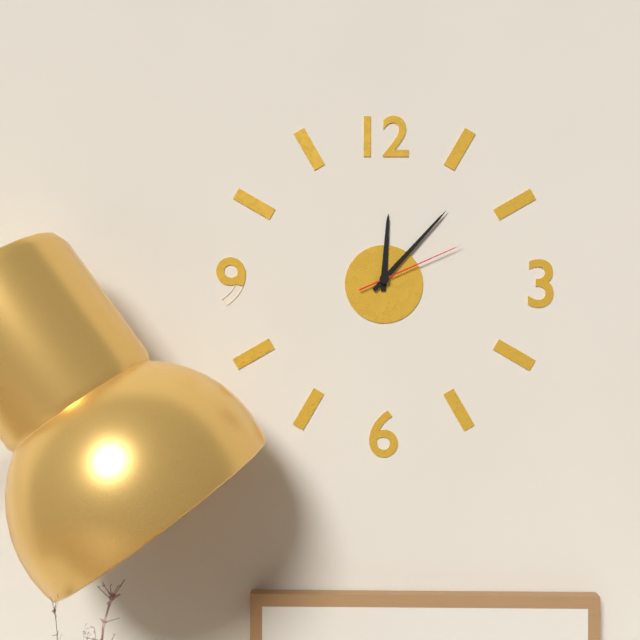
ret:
{"hour": 12, "minute": 7, "second": 11}
